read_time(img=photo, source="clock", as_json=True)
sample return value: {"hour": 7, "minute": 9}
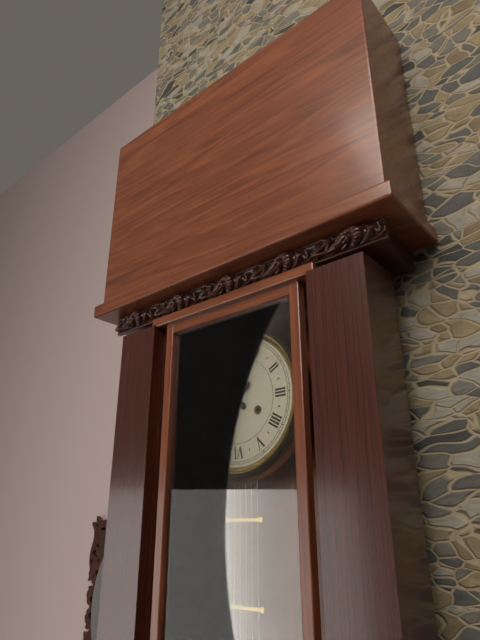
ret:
{"hour": 10, "minute": 37}
